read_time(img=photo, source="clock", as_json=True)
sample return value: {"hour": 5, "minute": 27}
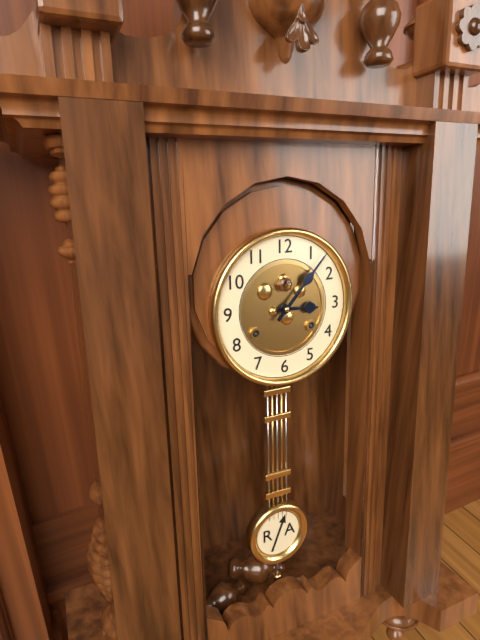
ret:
{"hour": 3, "minute": 7}
